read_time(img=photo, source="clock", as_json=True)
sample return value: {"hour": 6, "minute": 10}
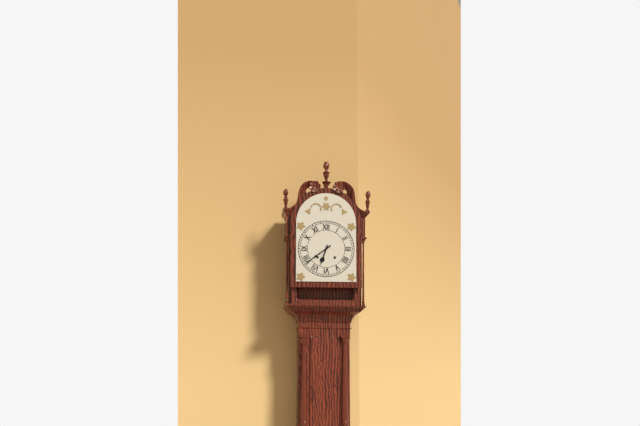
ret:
{"hour": 6, "minute": 39}
